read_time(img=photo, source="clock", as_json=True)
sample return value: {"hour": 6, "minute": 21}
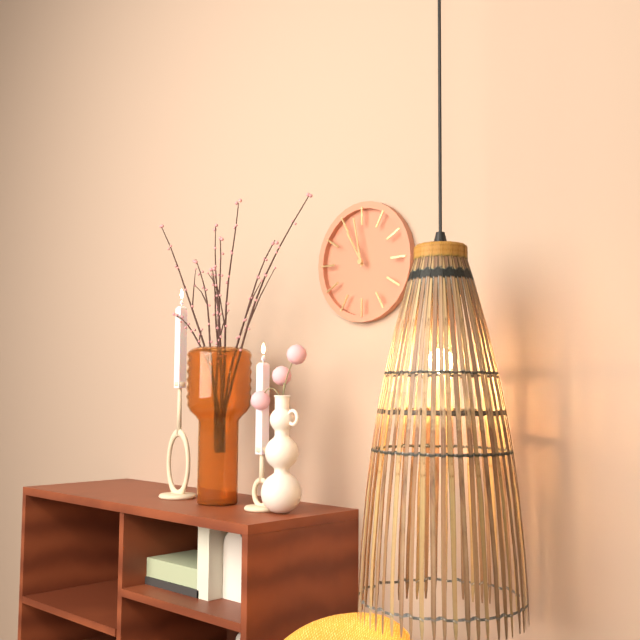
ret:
{"hour": 10, "minute": 58}
